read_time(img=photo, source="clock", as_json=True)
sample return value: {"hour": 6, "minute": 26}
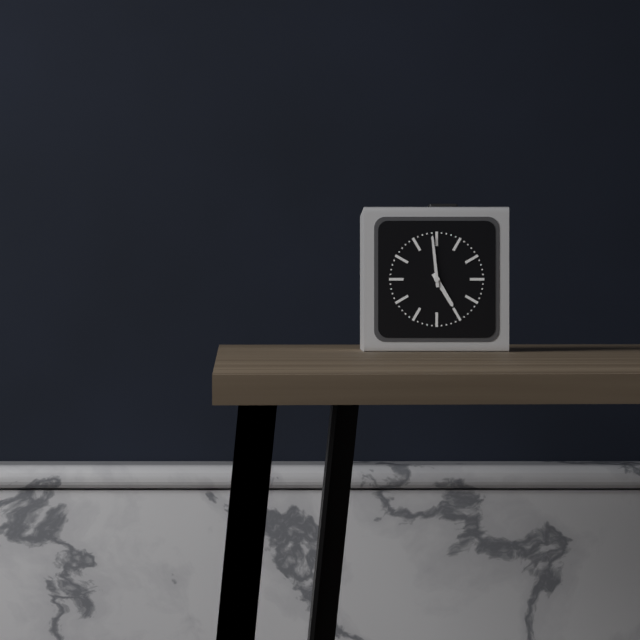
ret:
{"hour": 4, "minute": 59}
